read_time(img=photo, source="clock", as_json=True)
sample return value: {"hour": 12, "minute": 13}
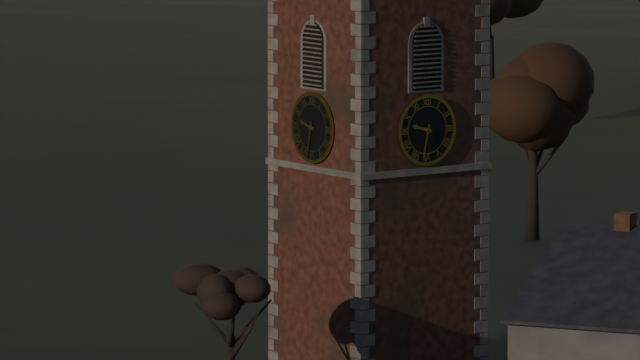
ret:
{"hour": 9, "minute": 32}
